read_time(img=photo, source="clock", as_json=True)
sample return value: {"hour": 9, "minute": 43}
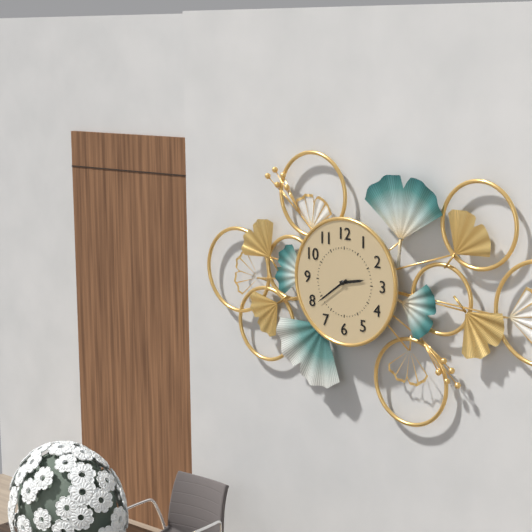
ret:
{"hour": 2, "minute": 39}
